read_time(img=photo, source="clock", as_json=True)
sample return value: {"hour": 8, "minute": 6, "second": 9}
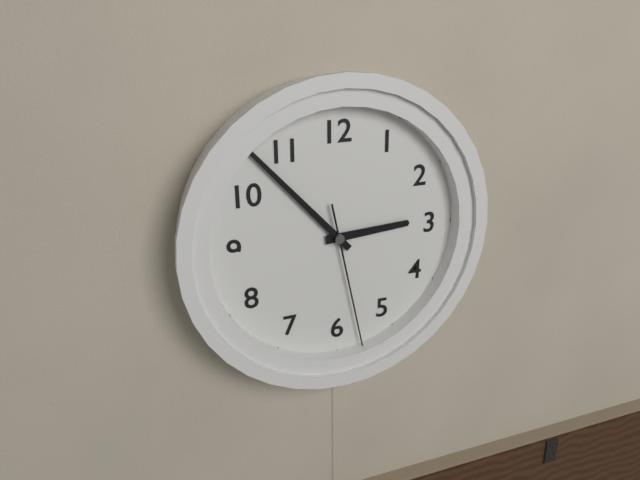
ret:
{"hour": 2, "minute": 53, "second": 28}
